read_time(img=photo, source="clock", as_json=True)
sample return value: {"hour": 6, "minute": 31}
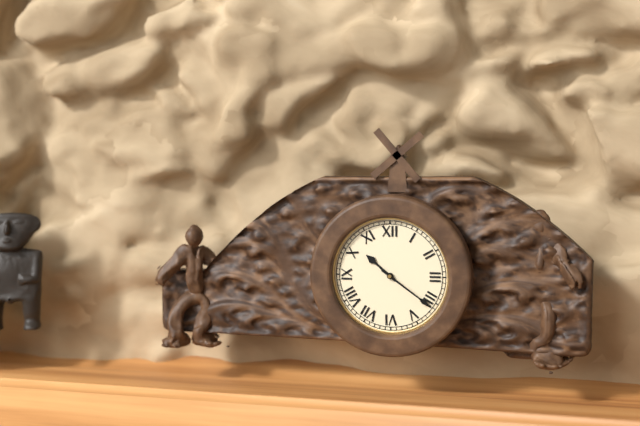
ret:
{"hour": 10, "minute": 21}
